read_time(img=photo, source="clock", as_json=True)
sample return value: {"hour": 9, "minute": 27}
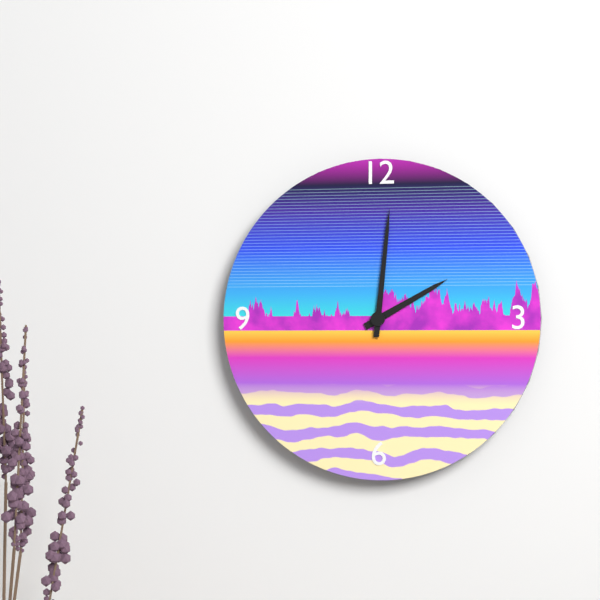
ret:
{"hour": 2, "minute": 1}
